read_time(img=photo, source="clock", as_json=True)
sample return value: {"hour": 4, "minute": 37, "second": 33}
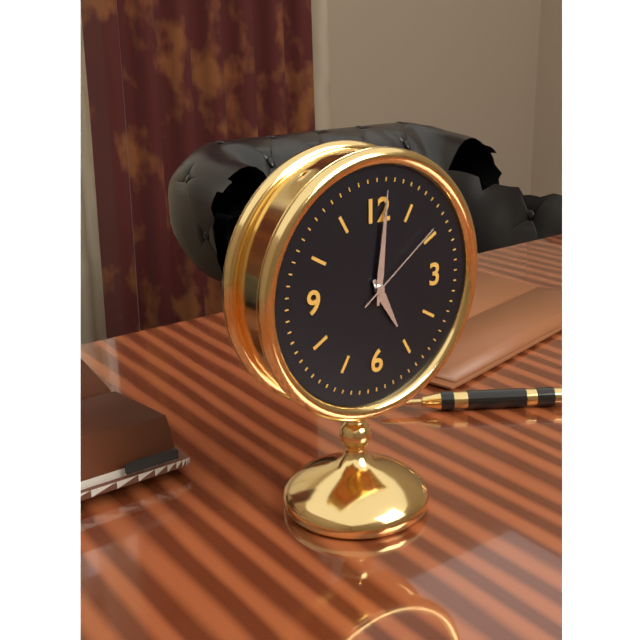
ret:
{"hour": 5, "minute": 1, "second": 9}
